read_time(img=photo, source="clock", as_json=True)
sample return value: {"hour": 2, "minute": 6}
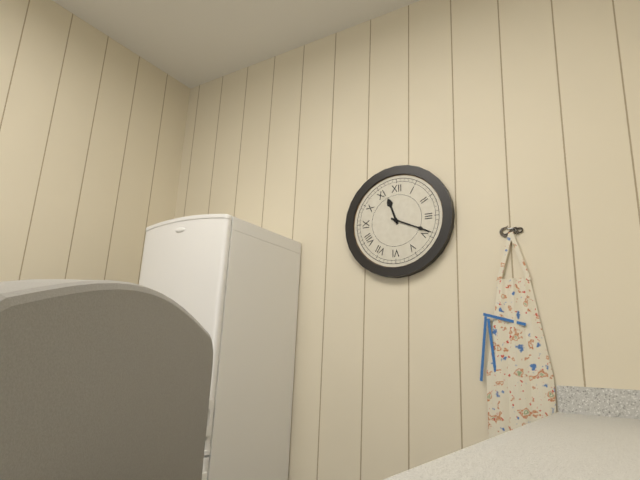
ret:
{"hour": 11, "minute": 19}
